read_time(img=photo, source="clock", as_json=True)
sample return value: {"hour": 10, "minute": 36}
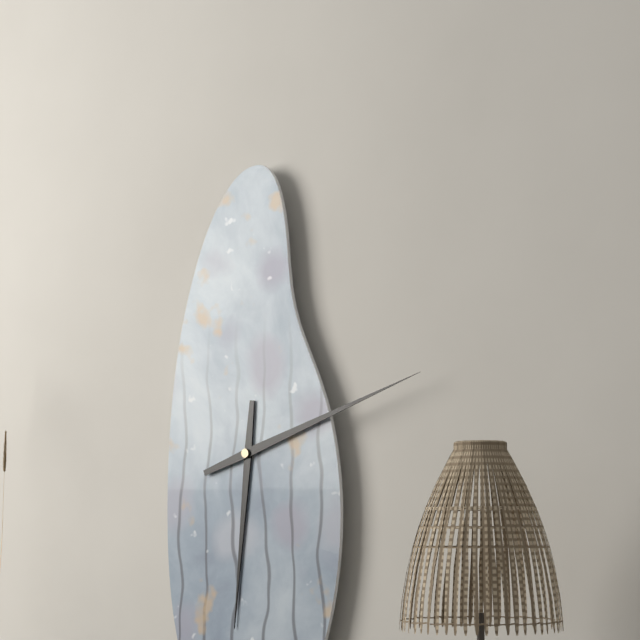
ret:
{"hour": 6, "minute": 12}
